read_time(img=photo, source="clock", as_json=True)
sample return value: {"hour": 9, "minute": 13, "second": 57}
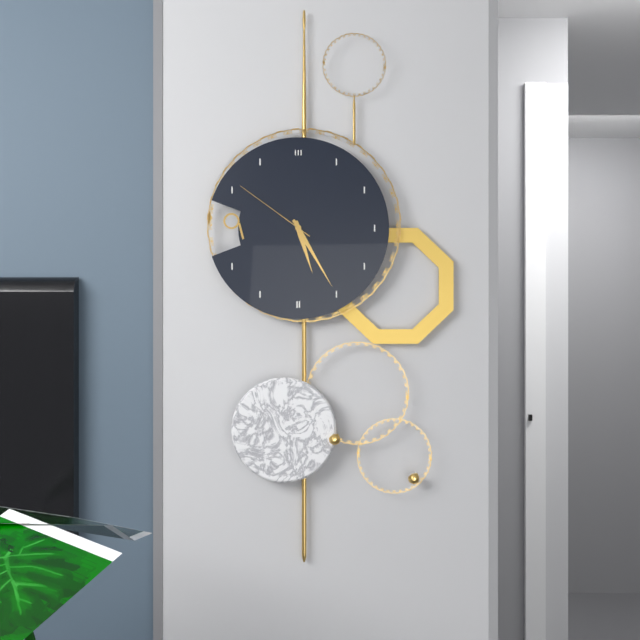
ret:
{"hour": 5, "minute": 25, "second": 51}
